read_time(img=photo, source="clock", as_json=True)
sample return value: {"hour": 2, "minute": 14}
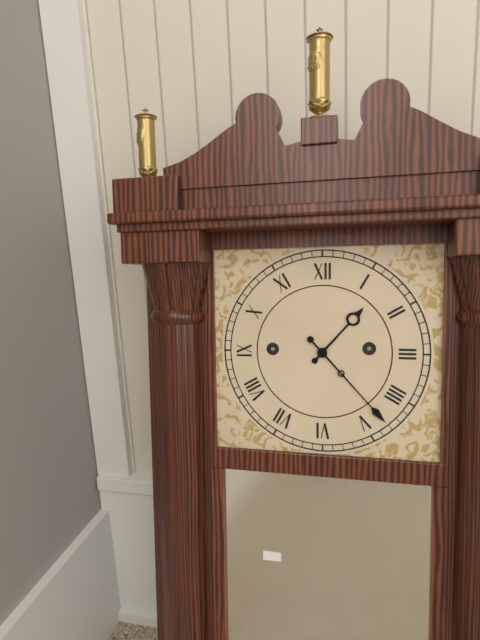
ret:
{"hour": 1, "minute": 23}
